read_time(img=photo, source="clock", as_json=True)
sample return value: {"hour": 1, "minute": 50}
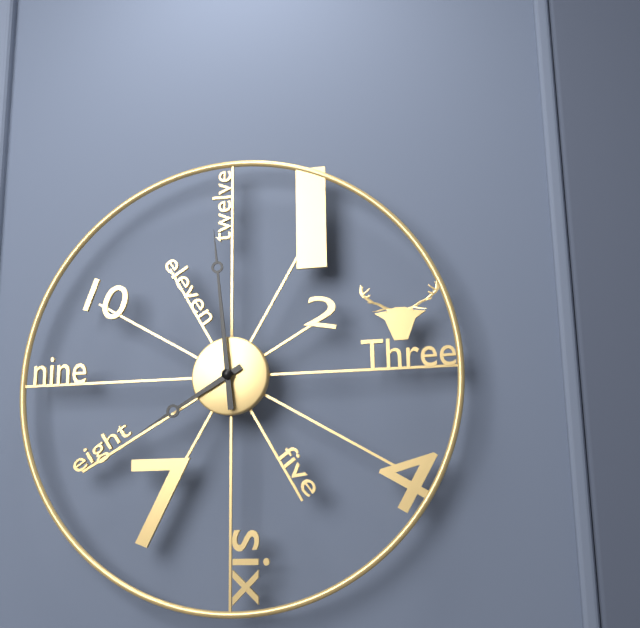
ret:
{"hour": 7, "minute": 59}
